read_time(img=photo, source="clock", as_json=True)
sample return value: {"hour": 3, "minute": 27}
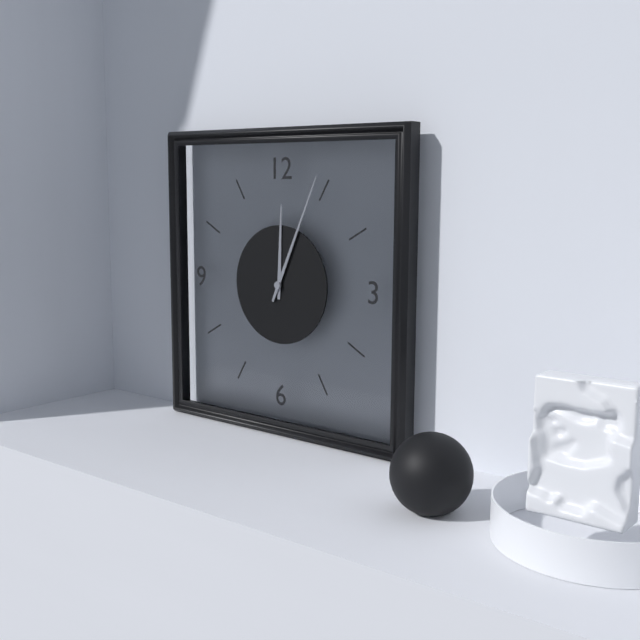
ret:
{"hour": 12, "minute": 4}
